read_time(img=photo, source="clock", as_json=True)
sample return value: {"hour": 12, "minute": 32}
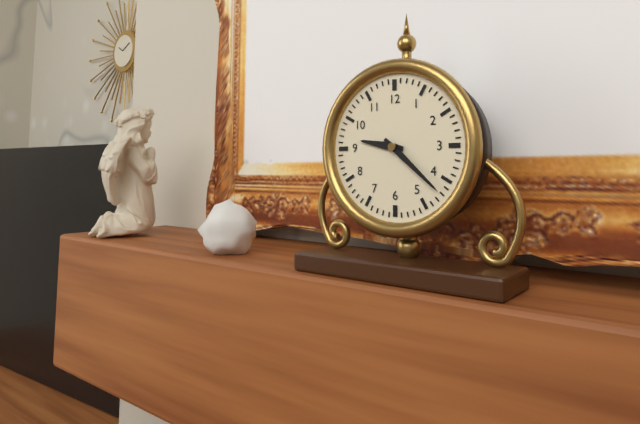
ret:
{"hour": 9, "minute": 22}
